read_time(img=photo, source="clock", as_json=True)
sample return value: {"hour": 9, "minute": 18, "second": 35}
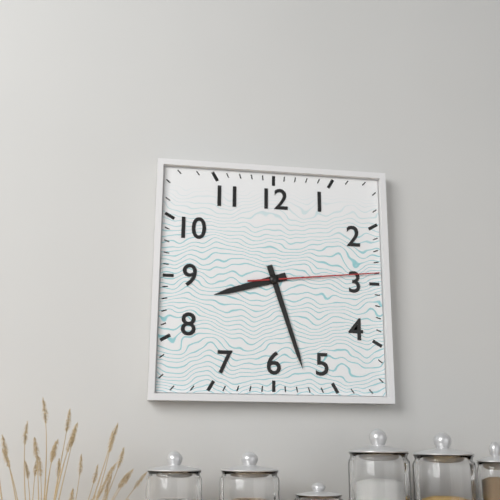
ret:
{"hour": 8, "minute": 27, "second": 14}
